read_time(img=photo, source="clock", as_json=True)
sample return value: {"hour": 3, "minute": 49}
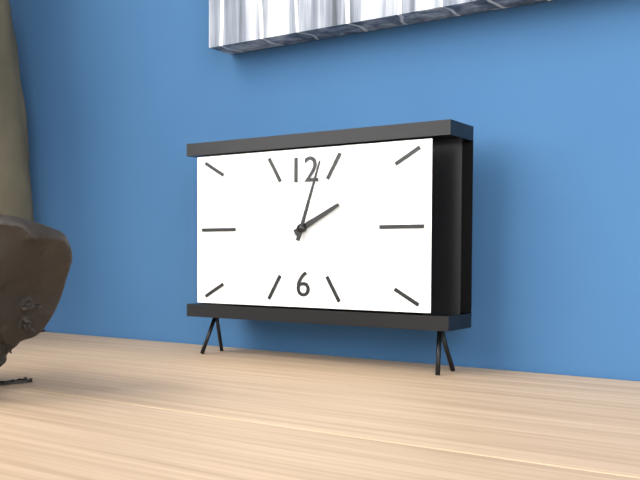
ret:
{"hour": 2, "minute": 3}
